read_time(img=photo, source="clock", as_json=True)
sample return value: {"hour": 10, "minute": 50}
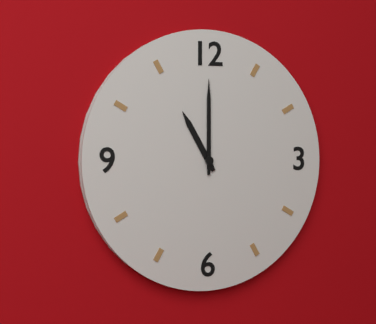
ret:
{"hour": 11, "minute": 0}
